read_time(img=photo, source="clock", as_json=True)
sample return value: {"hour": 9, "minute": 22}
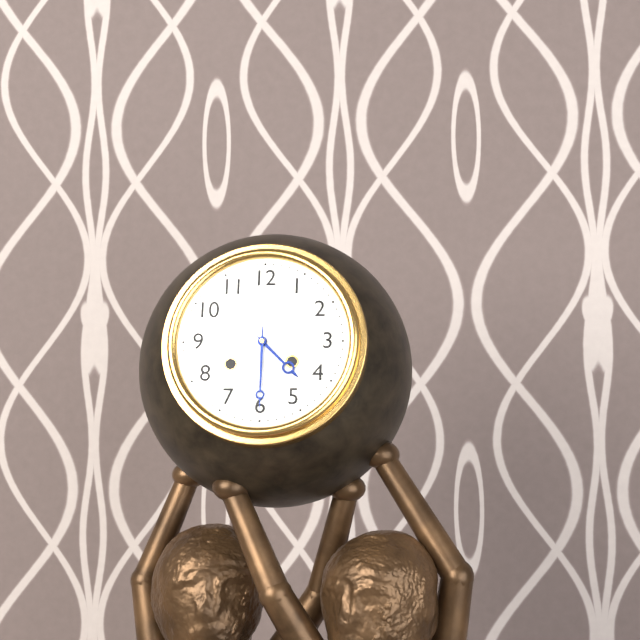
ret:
{"hour": 4, "minute": 30}
